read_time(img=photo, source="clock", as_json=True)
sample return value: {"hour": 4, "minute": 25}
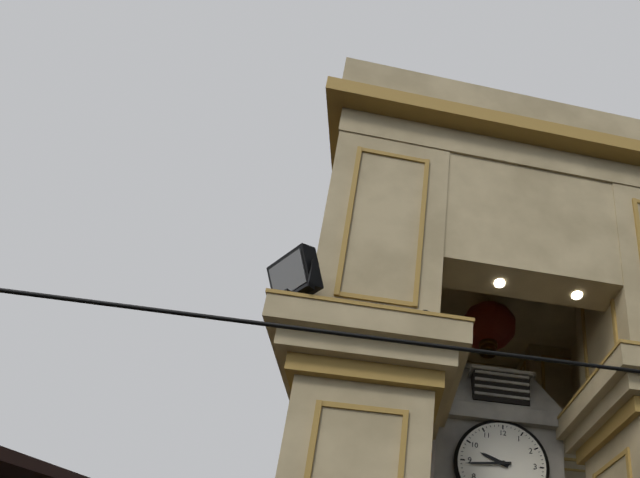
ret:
{"hour": 9, "minute": 44}
